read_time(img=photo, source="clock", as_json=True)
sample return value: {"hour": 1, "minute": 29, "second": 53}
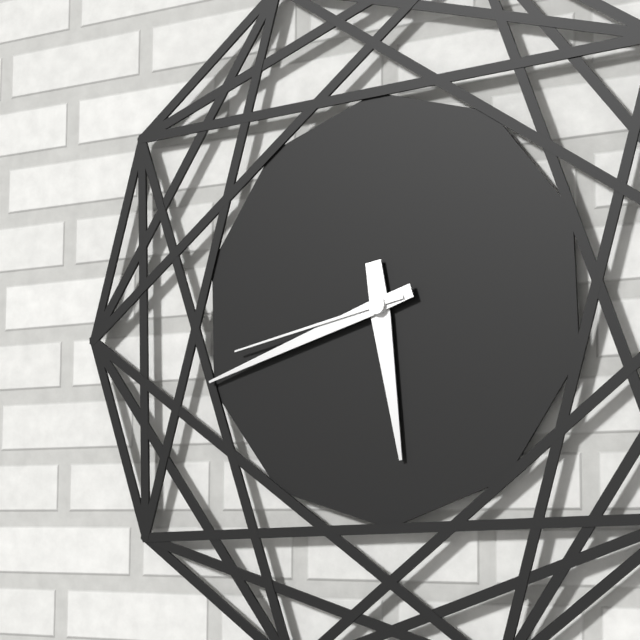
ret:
{"hour": 5, "minute": 42, "second": 43}
